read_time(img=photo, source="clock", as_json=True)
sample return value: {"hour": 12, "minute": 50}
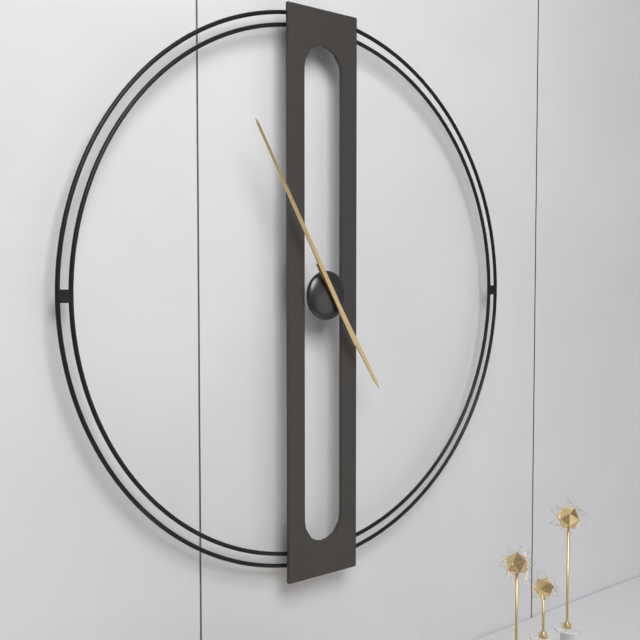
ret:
{"hour": 4, "minute": 55}
